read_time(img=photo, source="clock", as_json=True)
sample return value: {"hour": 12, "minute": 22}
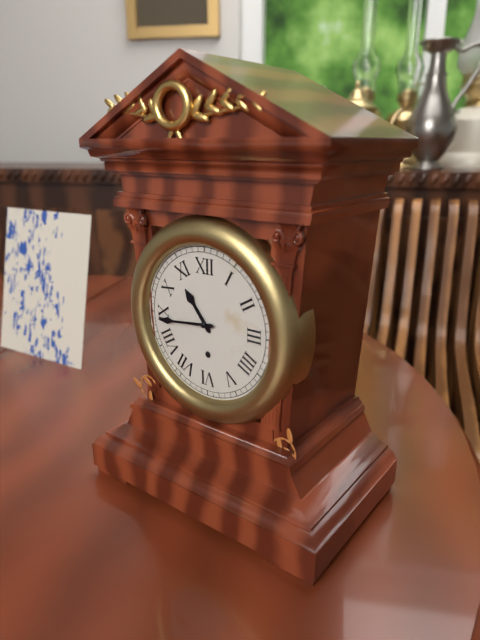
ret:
{"hour": 10, "minute": 44}
